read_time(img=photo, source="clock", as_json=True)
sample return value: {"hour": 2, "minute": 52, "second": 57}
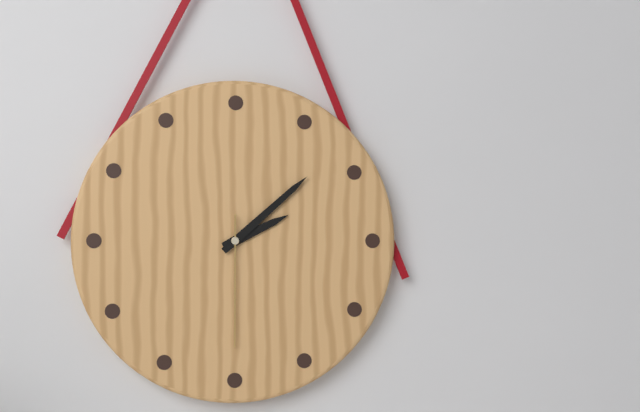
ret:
{"hour": 2, "minute": 8, "second": 30}
